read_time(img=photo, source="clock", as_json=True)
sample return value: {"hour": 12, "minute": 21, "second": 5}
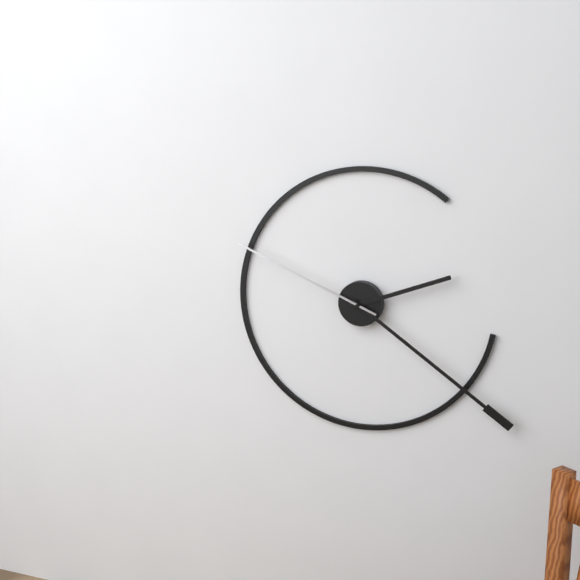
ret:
{"hour": 2, "minute": 21, "second": 49}
